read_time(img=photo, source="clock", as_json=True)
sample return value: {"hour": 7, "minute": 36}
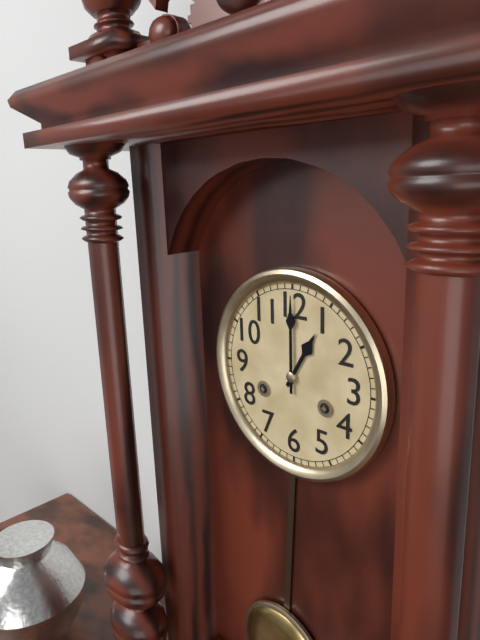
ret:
{"hour": 1, "minute": 0}
